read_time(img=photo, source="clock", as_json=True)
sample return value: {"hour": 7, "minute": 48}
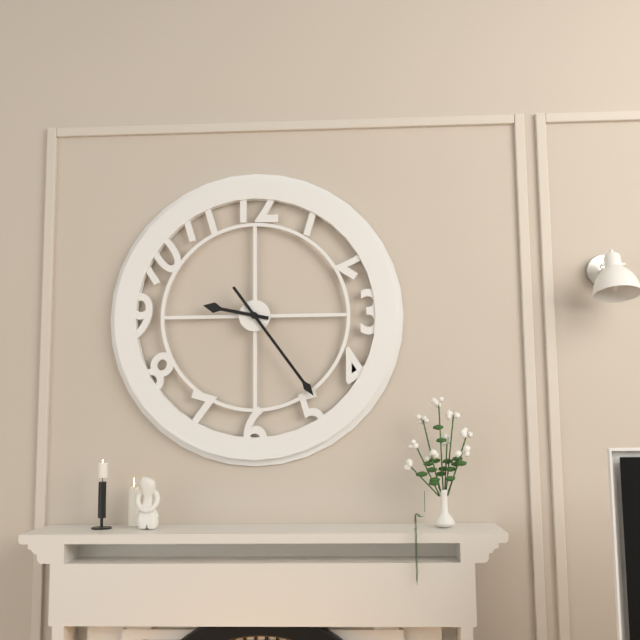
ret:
{"hour": 9, "minute": 24}
